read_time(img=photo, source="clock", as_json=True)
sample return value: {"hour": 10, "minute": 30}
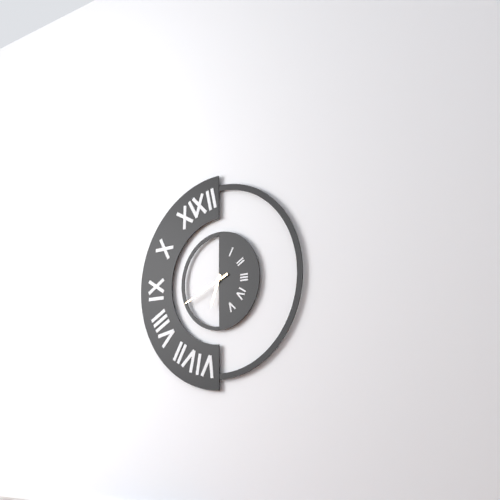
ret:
{"hour": 6, "minute": 41}
